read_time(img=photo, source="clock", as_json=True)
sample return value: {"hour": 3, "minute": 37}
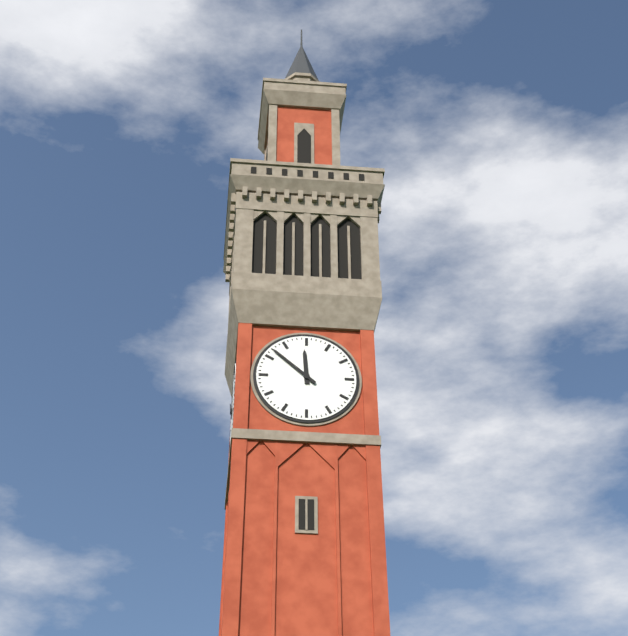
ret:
{"hour": 11, "minute": 52}
